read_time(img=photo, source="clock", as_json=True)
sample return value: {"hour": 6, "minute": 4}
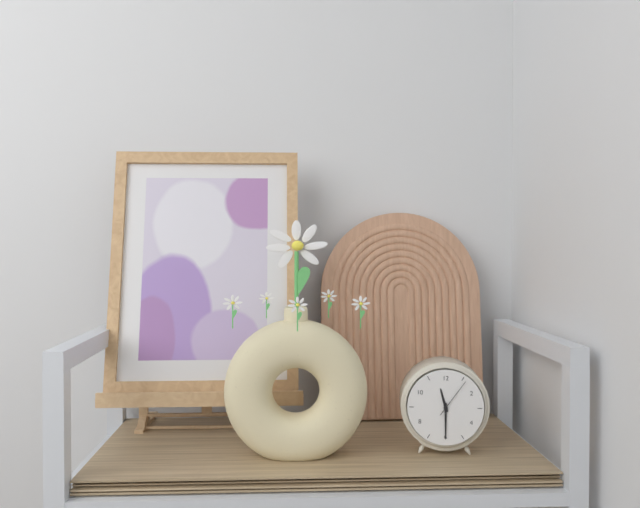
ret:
{"hour": 11, "minute": 30}
